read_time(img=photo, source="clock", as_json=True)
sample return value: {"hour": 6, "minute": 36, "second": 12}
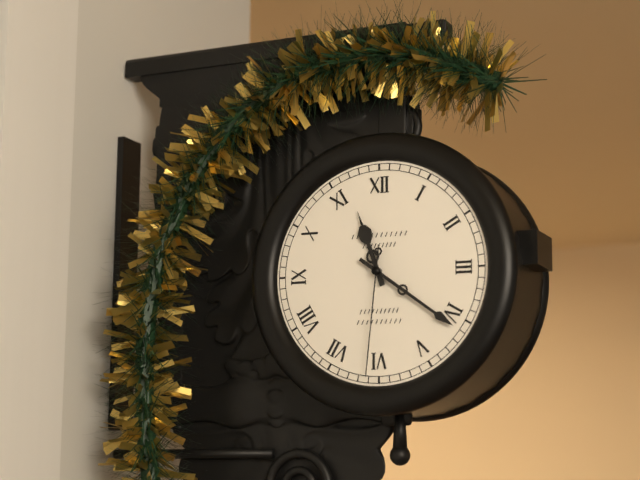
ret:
{"hour": 11, "minute": 21, "second": 31}
